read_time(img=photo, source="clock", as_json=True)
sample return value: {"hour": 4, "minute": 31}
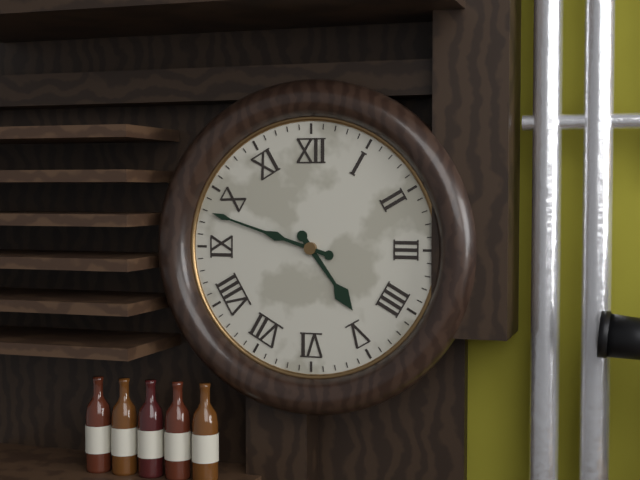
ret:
{"hour": 4, "minute": 48}
